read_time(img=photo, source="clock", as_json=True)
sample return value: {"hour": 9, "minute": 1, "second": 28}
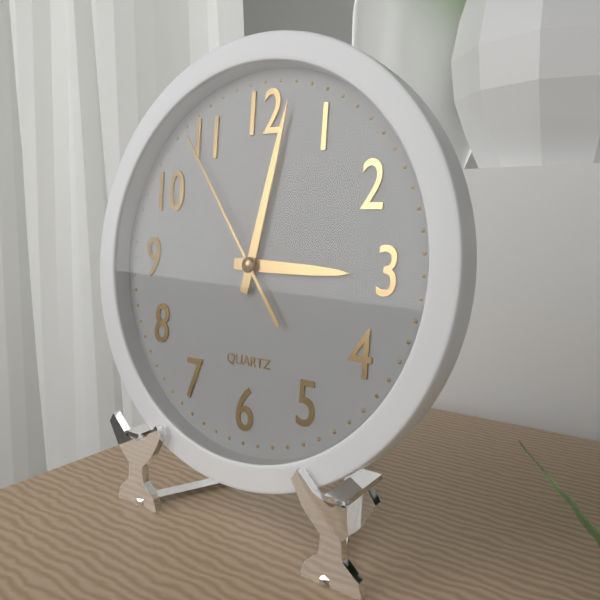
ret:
{"hour": 3, "minute": 2, "second": 54}
